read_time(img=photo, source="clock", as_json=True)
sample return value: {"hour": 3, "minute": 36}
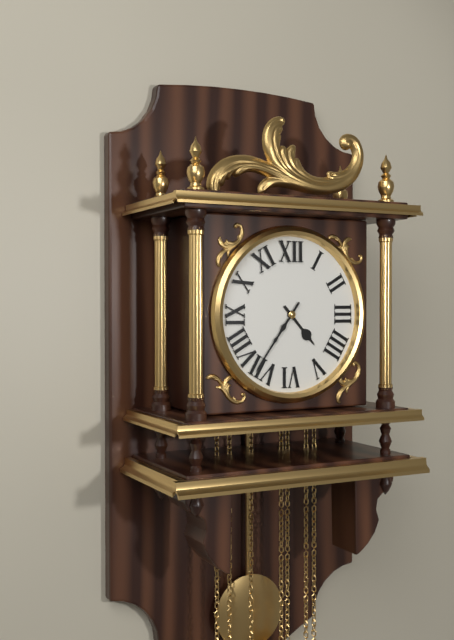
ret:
{"hour": 4, "minute": 36}
